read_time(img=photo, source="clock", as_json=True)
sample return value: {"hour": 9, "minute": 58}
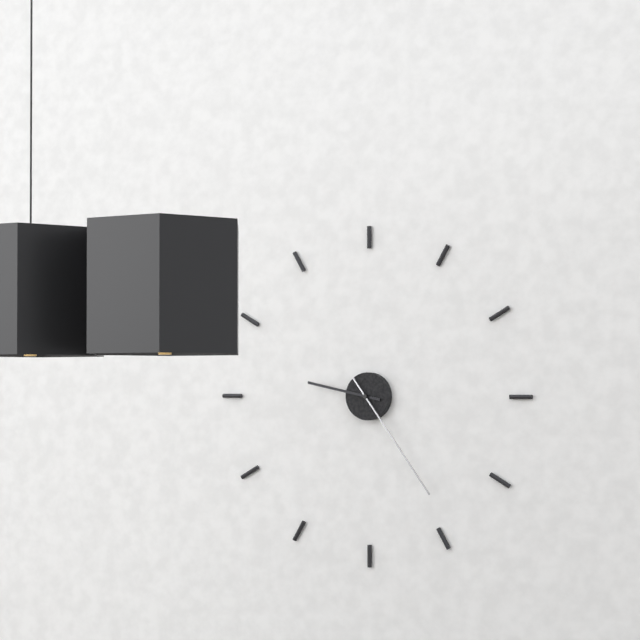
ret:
{"hour": 9, "minute": 24}
